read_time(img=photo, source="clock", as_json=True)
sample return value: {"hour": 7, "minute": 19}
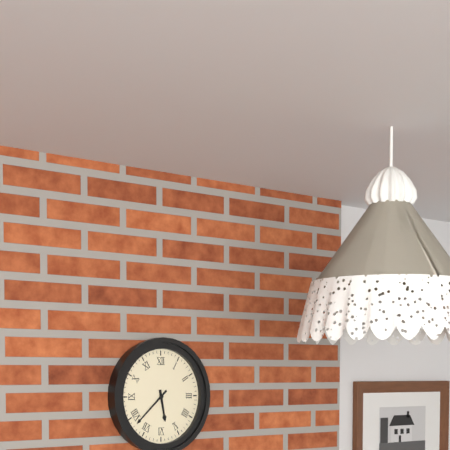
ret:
{"hour": 5, "minute": 38}
